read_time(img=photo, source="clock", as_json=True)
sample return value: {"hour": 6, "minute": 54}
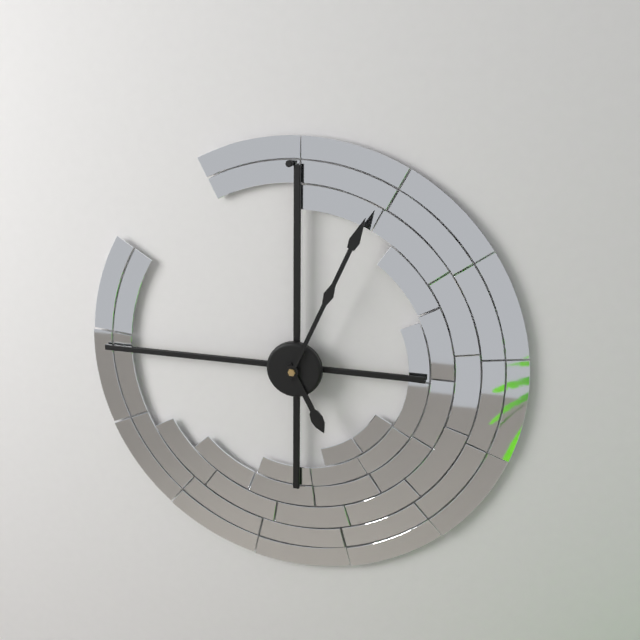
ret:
{"hour": 5, "minute": 4}
